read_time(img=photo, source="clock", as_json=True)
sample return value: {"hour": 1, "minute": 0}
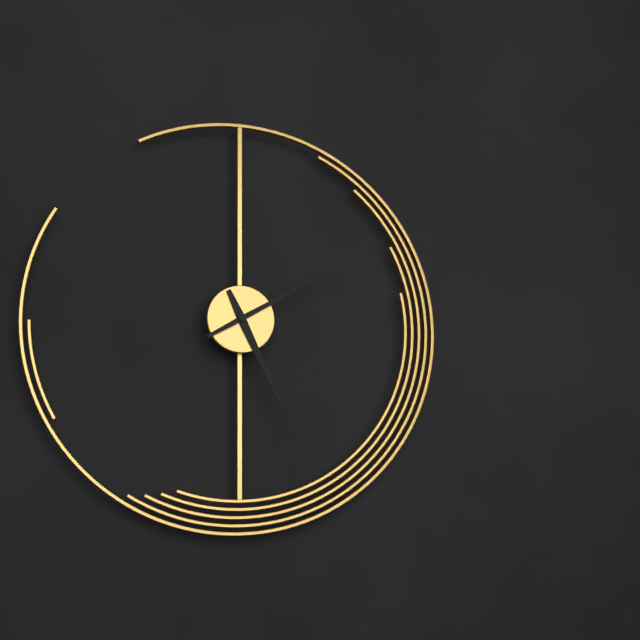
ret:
{"hour": 5, "minute": 10}
